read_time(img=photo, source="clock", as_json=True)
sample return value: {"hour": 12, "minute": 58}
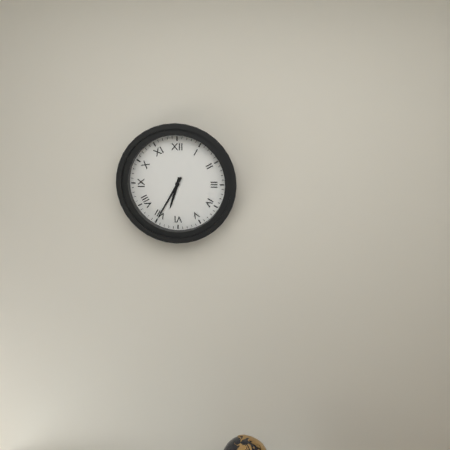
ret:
{"hour": 6, "minute": 35}
